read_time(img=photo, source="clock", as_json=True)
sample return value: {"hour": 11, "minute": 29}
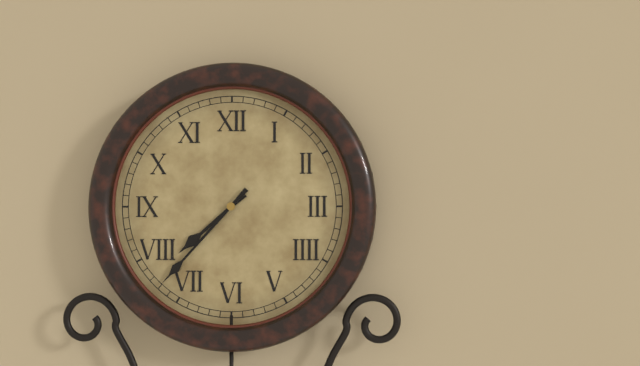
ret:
{"hour": 7, "minute": 37}
